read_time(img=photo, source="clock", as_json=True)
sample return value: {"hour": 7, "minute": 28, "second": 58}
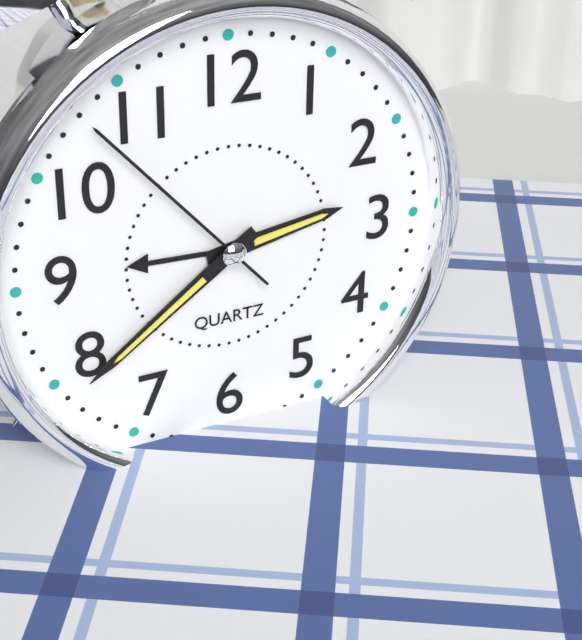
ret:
{"hour": 2, "minute": 39, "second": 53}
